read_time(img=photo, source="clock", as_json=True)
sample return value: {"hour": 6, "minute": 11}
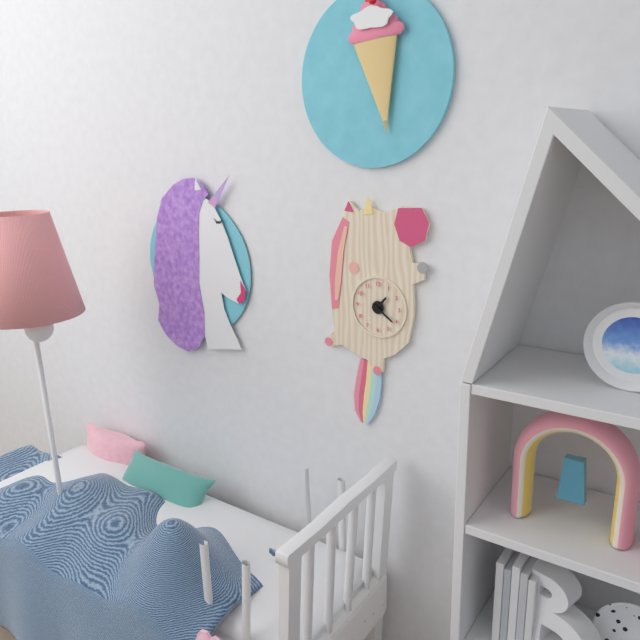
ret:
{"hour": 1, "minute": 21}
